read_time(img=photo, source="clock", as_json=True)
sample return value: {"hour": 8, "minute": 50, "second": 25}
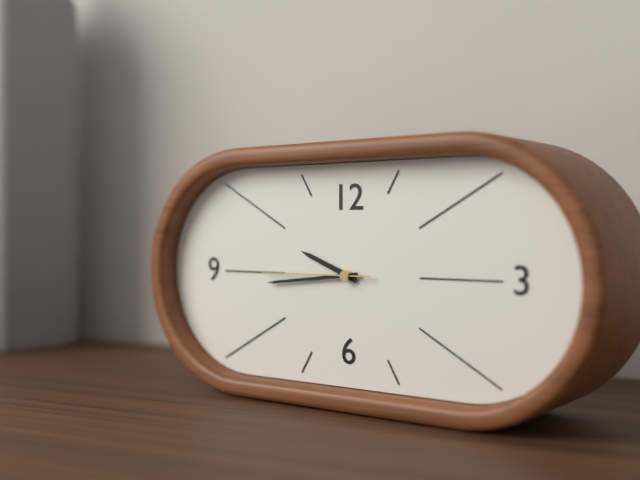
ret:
{"hour": 9, "minute": 44, "second": 45}
